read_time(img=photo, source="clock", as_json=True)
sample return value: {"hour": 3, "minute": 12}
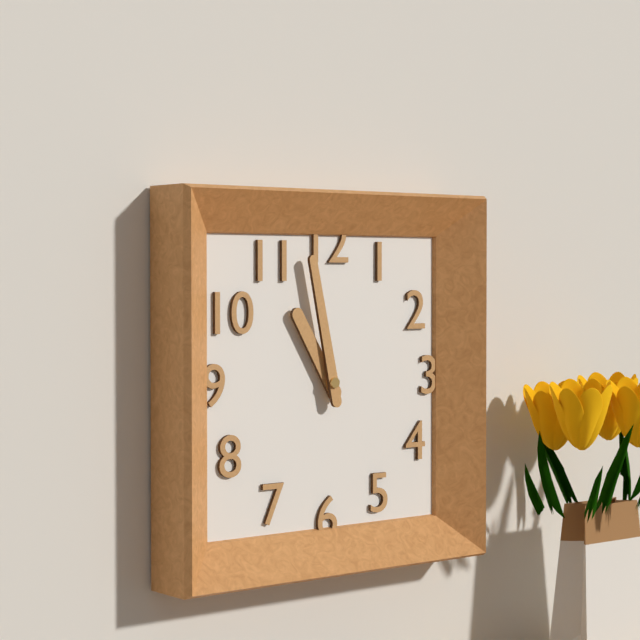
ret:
{"hour": 10, "minute": 58}
